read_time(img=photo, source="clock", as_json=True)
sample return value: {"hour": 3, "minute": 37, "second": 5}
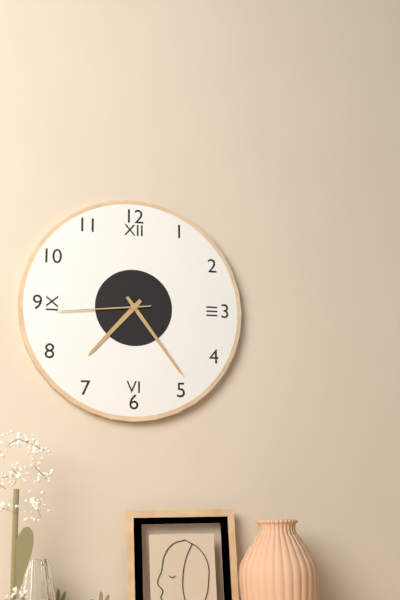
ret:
{"hour": 7, "minute": 24, "second": 44}
